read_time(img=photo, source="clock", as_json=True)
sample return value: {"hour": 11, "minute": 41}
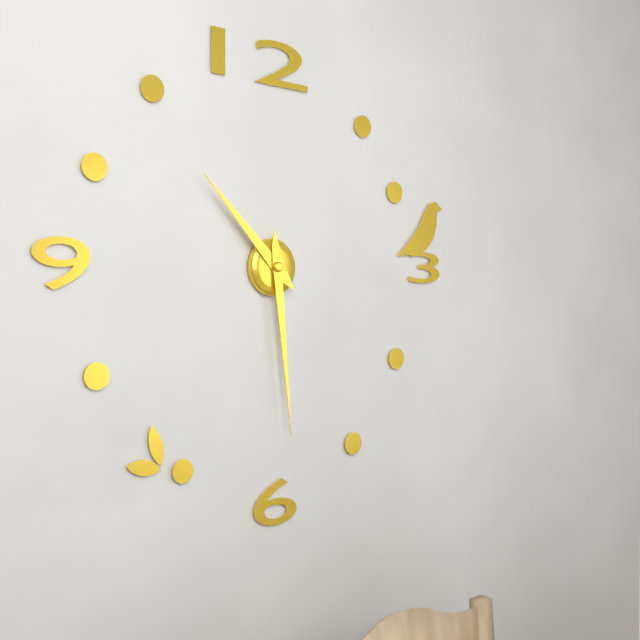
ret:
{"hour": 10, "minute": 29}
